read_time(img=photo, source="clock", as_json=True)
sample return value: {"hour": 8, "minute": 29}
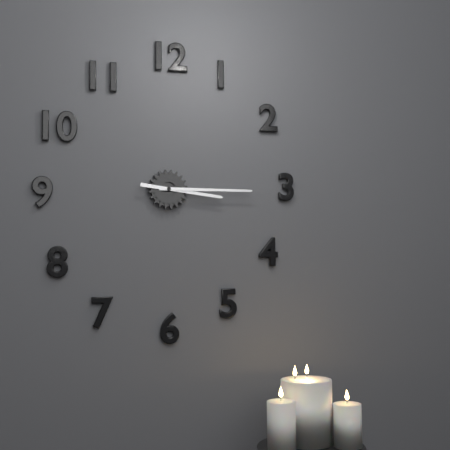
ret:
{"hour": 3, "minute": 15}
